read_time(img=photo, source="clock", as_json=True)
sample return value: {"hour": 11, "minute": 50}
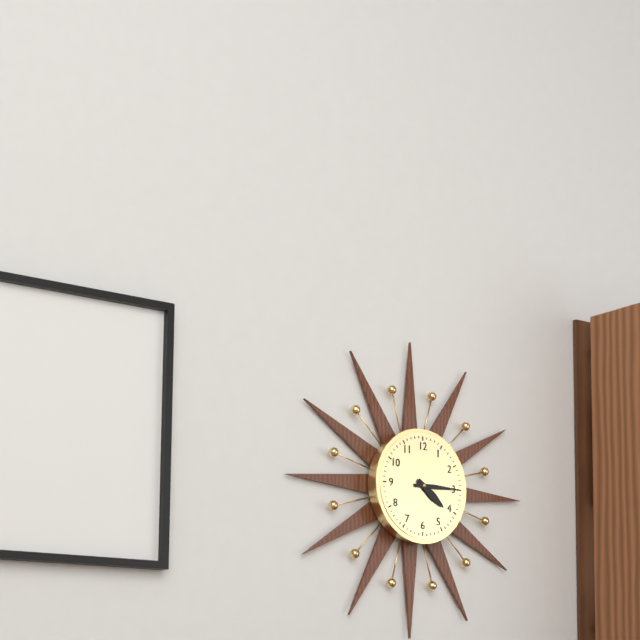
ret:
{"hour": 4, "minute": 15}
